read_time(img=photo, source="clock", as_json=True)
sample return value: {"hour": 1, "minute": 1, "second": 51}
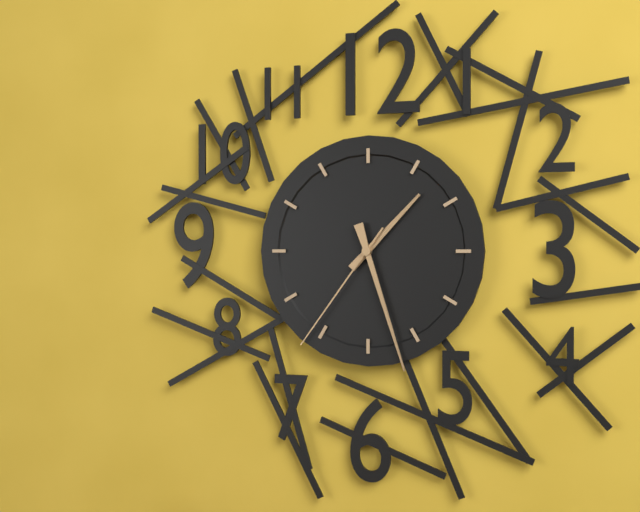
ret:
{"hour": 1, "minute": 27, "second": 36}
